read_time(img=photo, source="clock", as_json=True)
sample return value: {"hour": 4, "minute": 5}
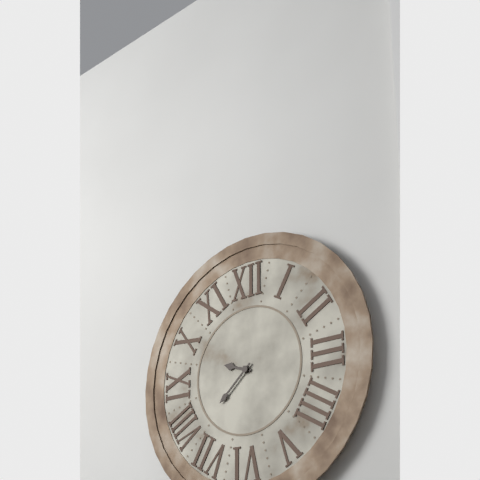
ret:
{"hour": 9, "minute": 38}
